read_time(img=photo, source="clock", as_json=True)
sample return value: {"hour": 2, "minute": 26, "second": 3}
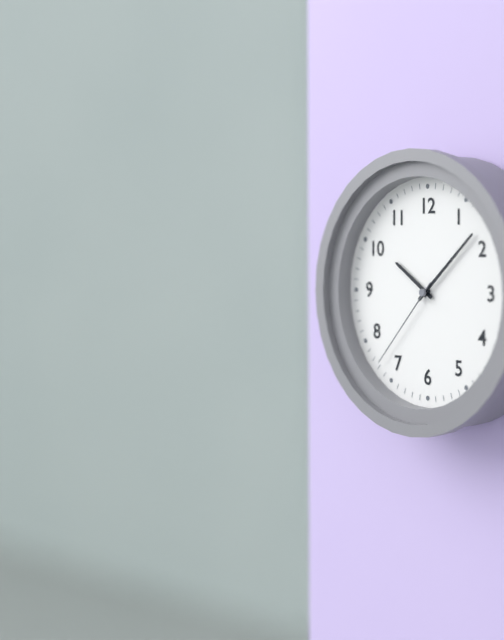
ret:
{"hour": 10, "minute": 8, "second": 37}
